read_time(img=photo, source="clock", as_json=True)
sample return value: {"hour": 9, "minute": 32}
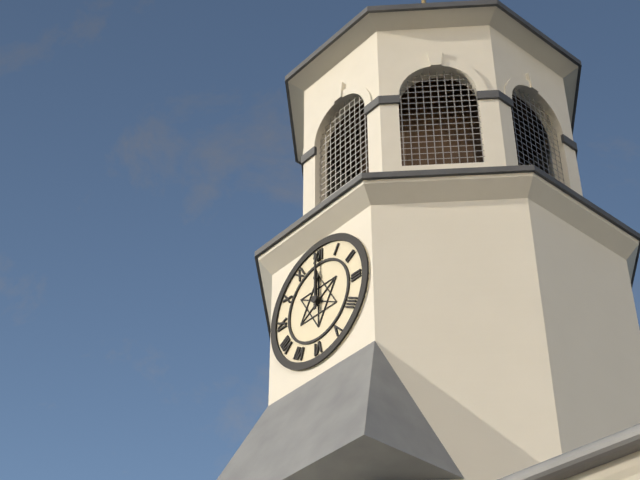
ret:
{"hour": 12, "minute": 0}
